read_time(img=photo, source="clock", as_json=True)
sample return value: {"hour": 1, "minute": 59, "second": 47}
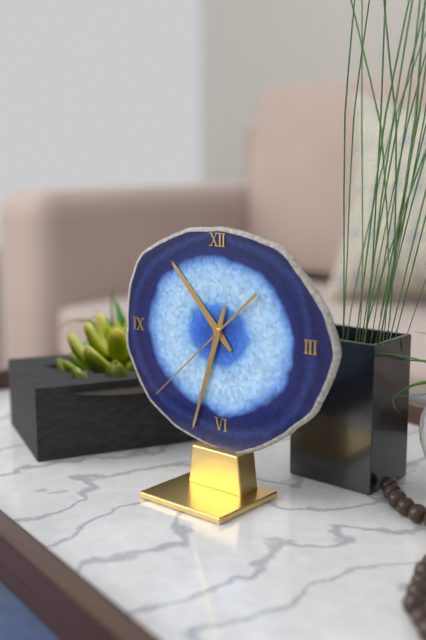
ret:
{"hour": 10, "minute": 33, "second": 38}
